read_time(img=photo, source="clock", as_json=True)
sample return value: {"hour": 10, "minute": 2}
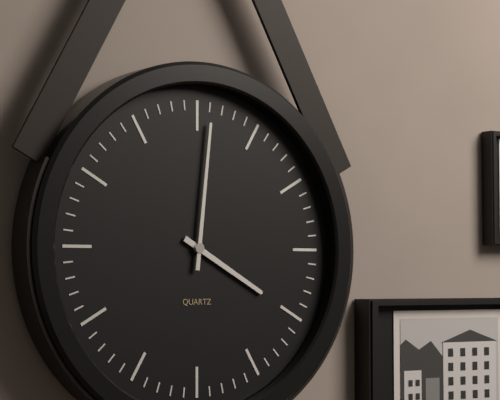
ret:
{"hour": 4, "minute": 1}
